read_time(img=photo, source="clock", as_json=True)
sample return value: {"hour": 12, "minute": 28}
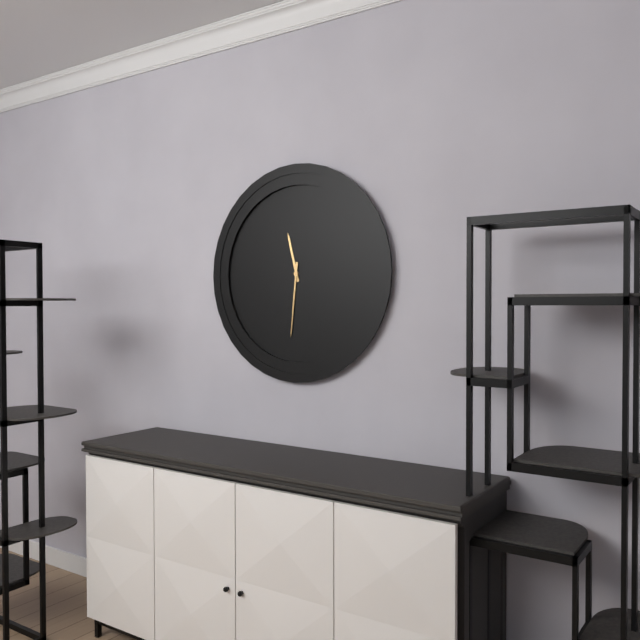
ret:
{"hour": 11, "minute": 31}
